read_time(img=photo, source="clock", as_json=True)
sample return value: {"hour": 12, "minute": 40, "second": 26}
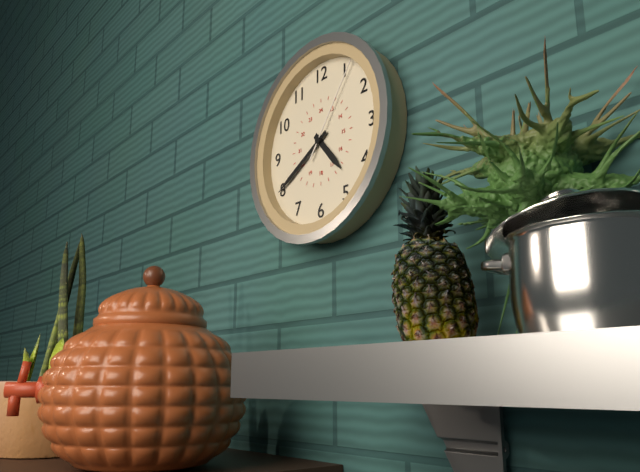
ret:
{"hour": 4, "minute": 40, "second": 6}
